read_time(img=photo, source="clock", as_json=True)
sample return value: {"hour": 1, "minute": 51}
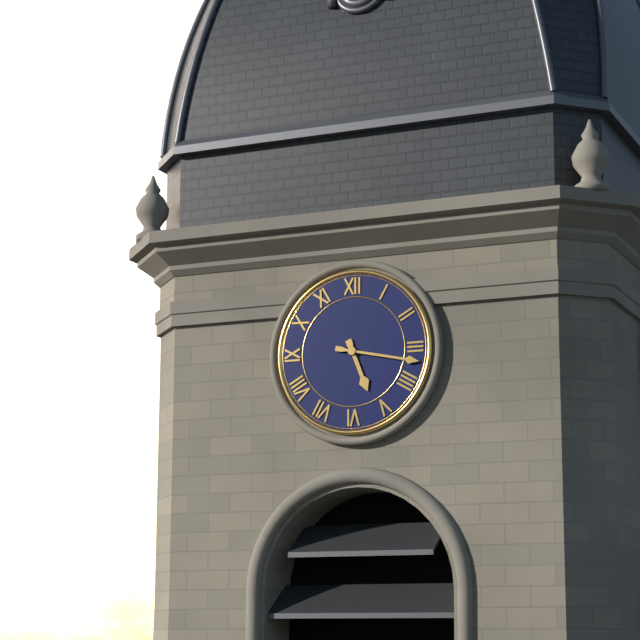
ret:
{"hour": 5, "minute": 17}
